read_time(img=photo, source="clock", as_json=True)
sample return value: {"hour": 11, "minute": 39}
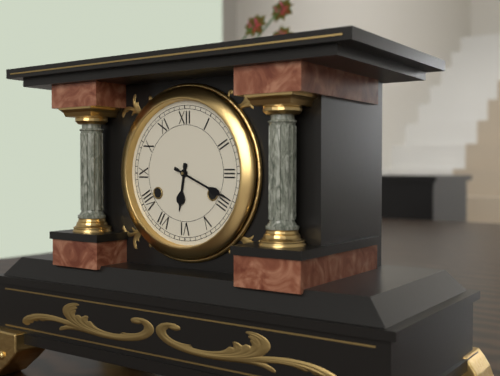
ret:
{"hour": 6, "minute": 19}
